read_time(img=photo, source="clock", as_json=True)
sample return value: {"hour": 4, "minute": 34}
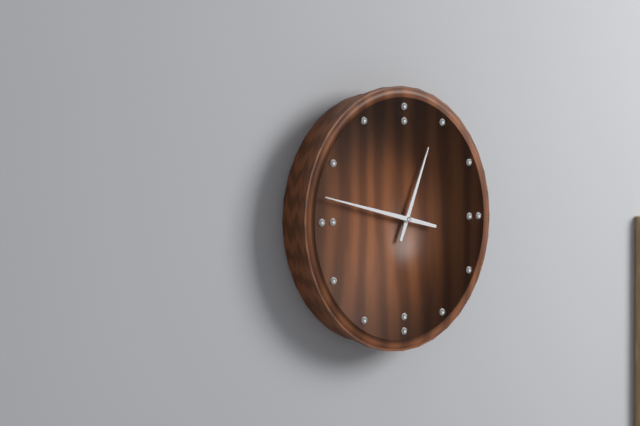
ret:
{"hour": 12, "minute": 47}
